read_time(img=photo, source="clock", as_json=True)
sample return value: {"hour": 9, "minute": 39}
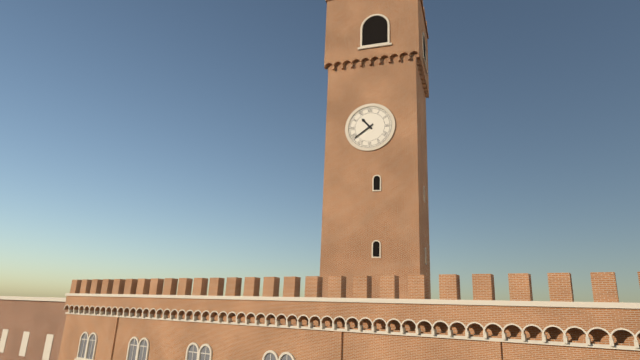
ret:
{"hour": 10, "minute": 39}
